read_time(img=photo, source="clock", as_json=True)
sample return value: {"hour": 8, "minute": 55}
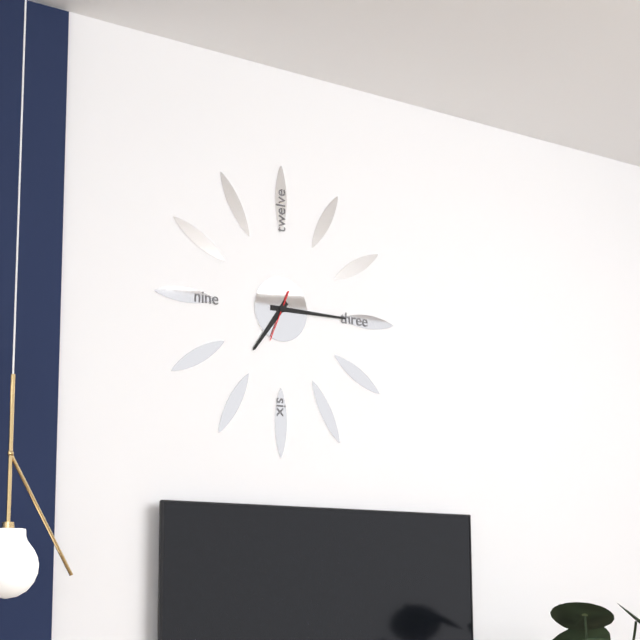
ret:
{"hour": 7, "minute": 15}
